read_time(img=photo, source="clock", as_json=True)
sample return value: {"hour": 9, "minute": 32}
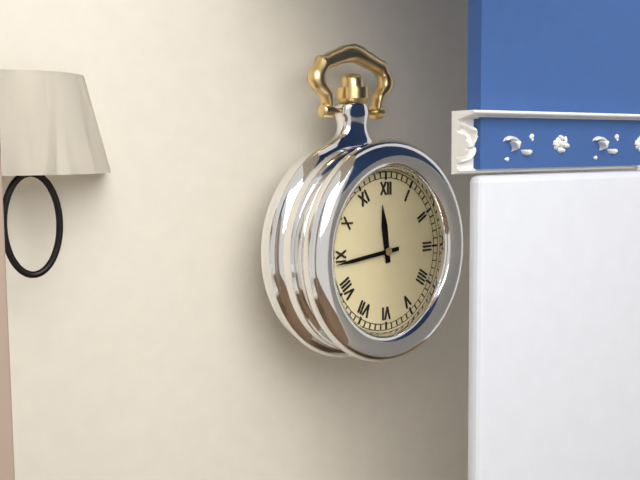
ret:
{"hour": 11, "minute": 44}
